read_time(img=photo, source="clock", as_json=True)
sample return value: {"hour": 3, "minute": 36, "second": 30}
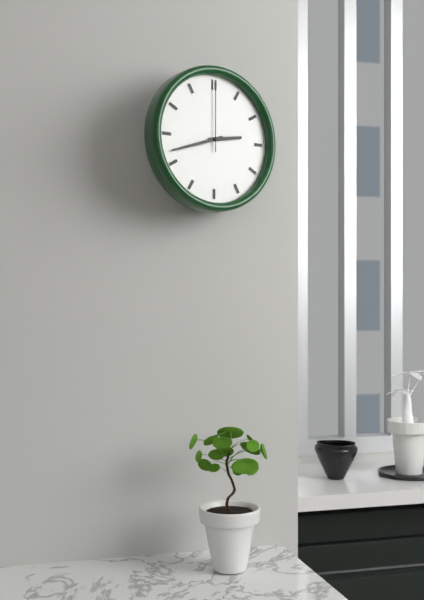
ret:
{"hour": 2, "minute": 42, "second": 0}
